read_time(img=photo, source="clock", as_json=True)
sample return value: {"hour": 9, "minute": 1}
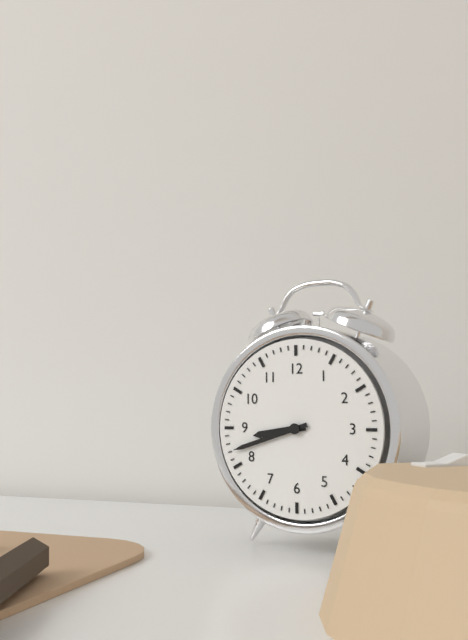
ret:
{"hour": 8, "minute": 42}
